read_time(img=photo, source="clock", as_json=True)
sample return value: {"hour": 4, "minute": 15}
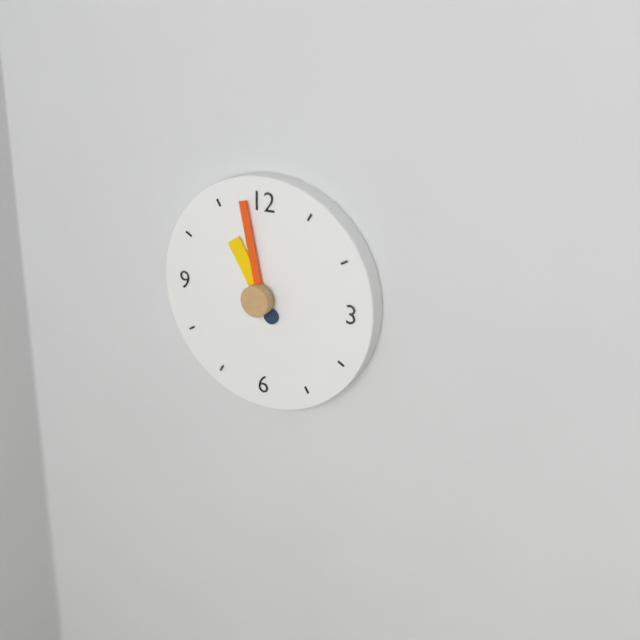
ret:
{"hour": 10, "minute": 58}
